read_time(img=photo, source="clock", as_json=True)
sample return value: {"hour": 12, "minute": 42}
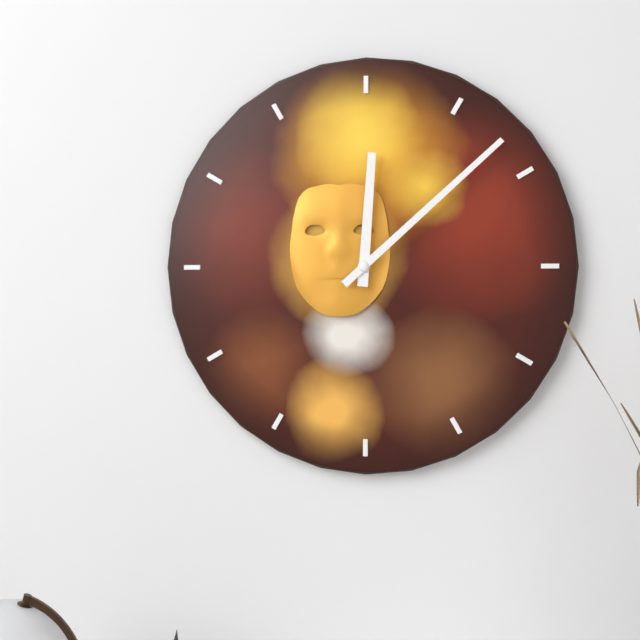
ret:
{"hour": 12, "minute": 8}
